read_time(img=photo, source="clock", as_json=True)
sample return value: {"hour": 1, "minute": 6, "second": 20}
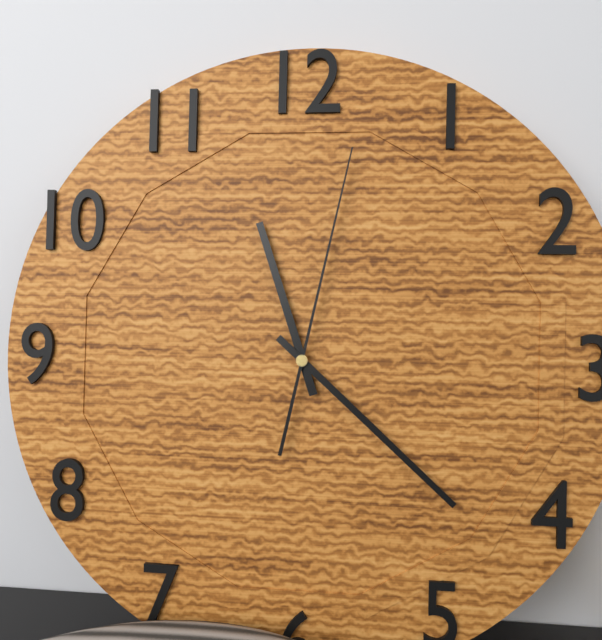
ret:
{"hour": 11, "minute": 22, "second": 2}
